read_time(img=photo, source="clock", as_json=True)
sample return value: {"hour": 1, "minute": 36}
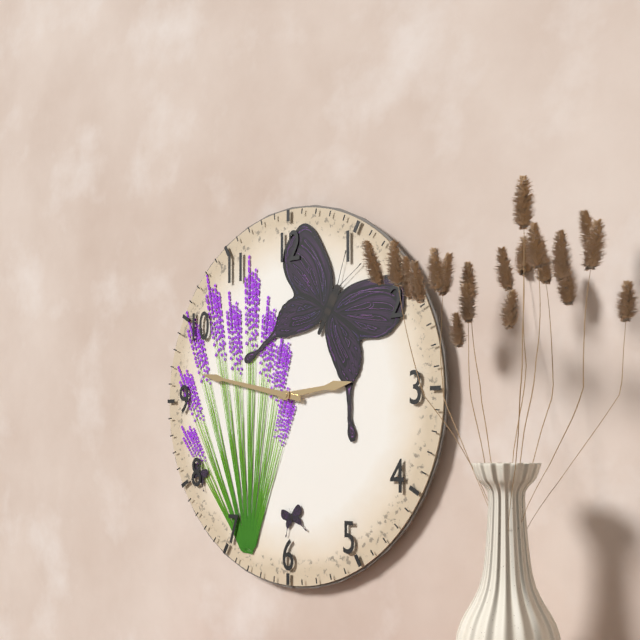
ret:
{"hour": 2, "minute": 47}
